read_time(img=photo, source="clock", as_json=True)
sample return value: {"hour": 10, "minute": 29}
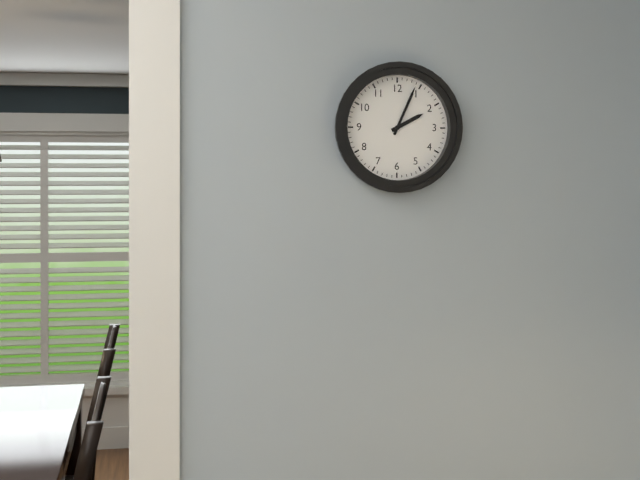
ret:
{"hour": 2, "minute": 4}
